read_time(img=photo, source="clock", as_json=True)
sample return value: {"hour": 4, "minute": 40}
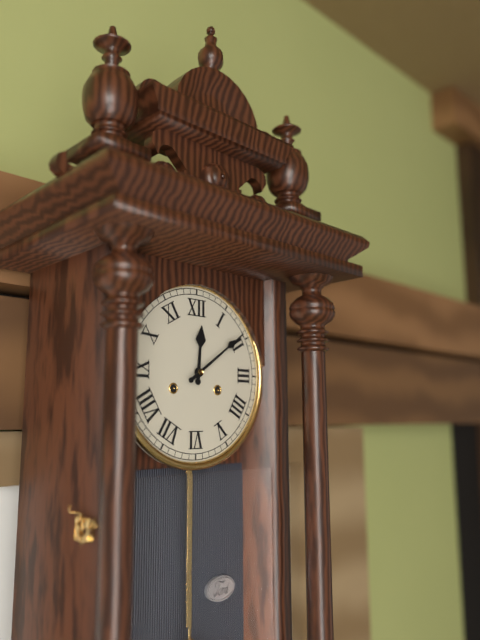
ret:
{"hour": 12, "minute": 9}
